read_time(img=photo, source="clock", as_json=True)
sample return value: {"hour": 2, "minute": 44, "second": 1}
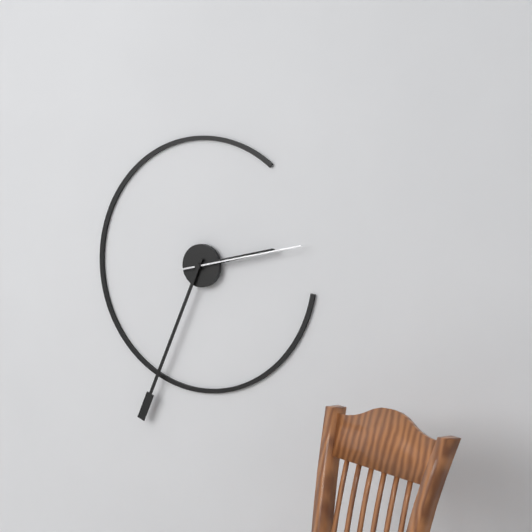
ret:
{"hour": 2, "minute": 34, "second": 13}
